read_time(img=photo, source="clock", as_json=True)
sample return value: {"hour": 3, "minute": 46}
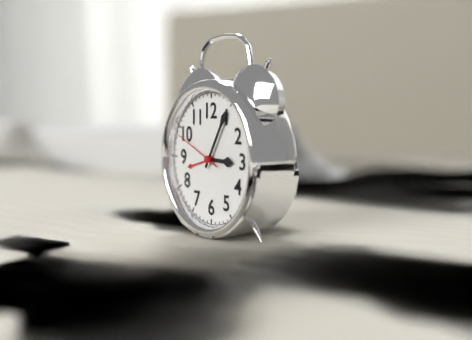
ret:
{"hour": 3, "minute": 5}
